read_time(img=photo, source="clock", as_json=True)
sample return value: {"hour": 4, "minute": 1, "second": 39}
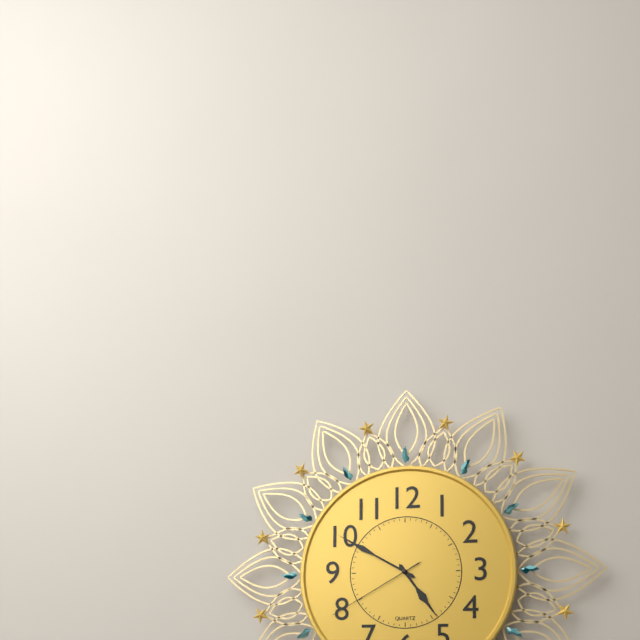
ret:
{"hour": 4, "minute": 50, "second": 40}
